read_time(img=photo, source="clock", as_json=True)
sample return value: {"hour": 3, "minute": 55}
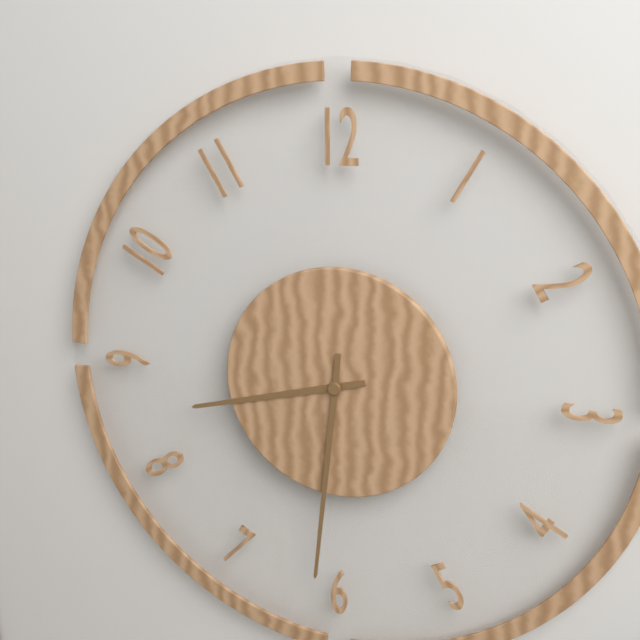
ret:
{"hour": 8, "minute": 31}
